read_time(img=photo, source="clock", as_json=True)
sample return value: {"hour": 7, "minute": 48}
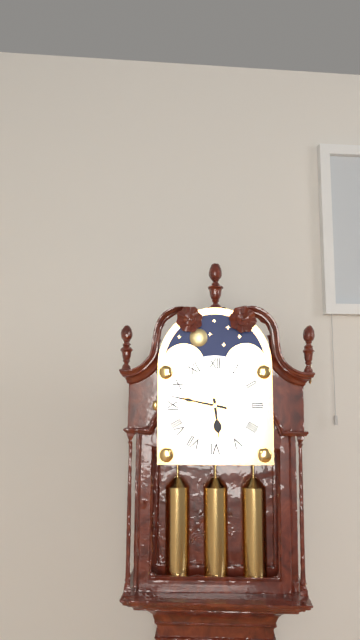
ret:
{"hour": 5, "minute": 47}
